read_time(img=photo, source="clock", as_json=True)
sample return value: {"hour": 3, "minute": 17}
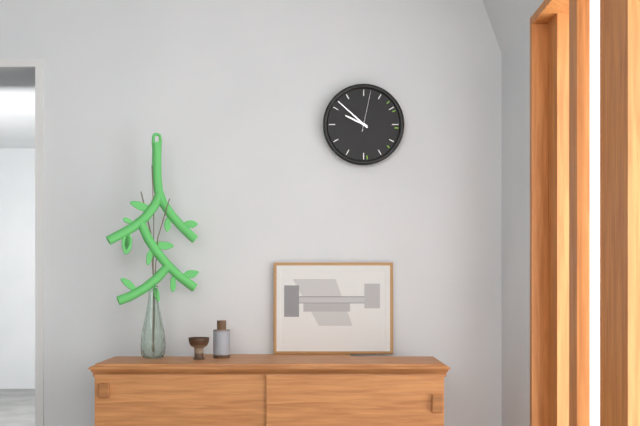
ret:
{"hour": 9, "minute": 52}
